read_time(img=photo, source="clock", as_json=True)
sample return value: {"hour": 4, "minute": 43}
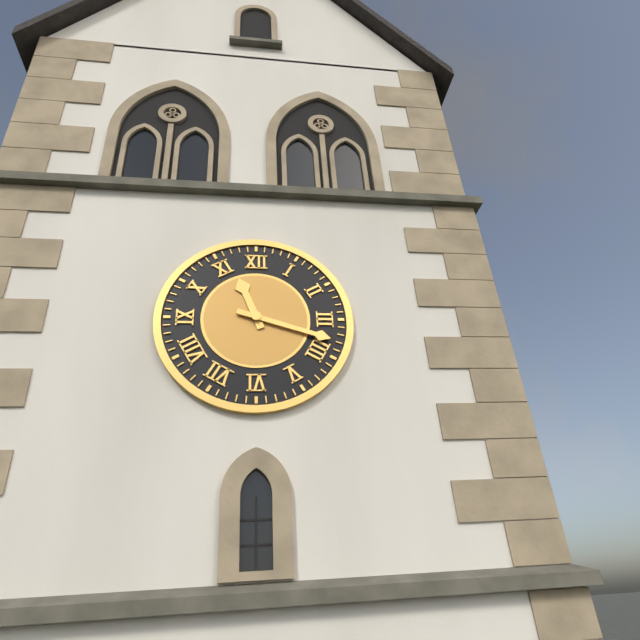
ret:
{"hour": 11, "minute": 18}
